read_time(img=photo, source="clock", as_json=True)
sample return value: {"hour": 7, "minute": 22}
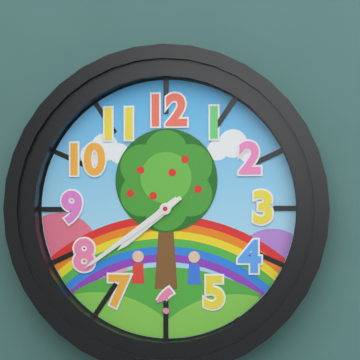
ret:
{"hour": 7, "minute": 39}
